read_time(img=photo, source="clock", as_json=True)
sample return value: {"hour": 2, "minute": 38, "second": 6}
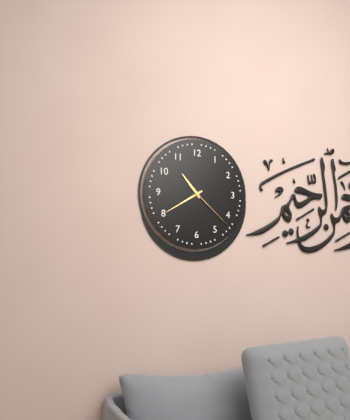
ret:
{"hour": 10, "minute": 40, "second": 22}
